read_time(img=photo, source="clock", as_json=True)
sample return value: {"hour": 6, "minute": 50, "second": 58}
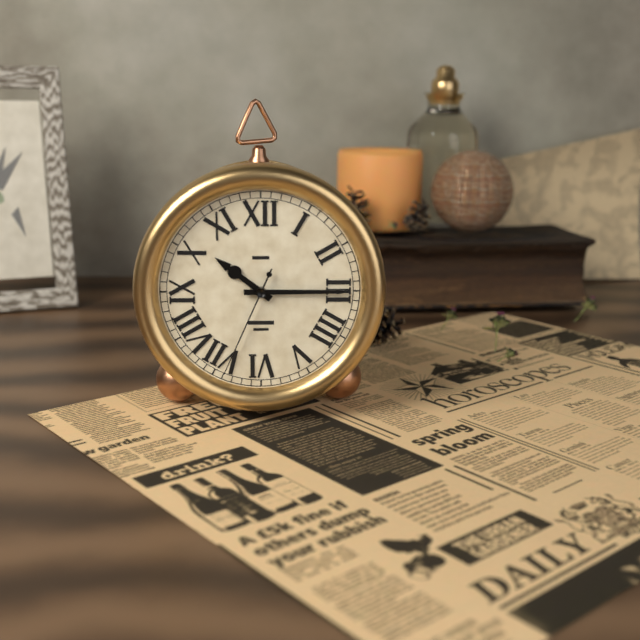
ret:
{"hour": 10, "minute": 15, "second": 34}
